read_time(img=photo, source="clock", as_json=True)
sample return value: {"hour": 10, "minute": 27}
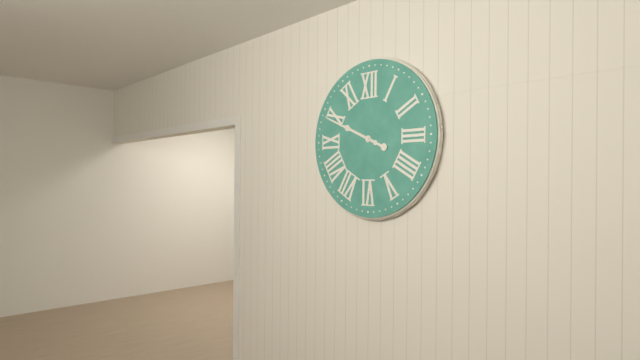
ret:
{"hour": 9, "minute": 49}
